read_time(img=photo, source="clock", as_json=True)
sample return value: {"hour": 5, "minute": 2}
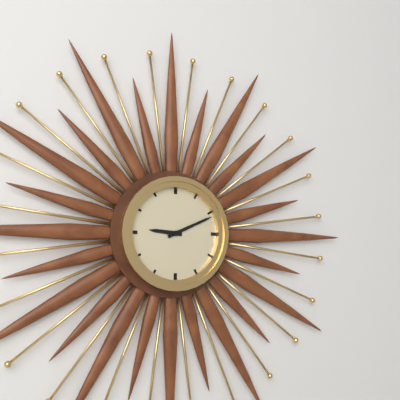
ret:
{"hour": 9, "minute": 11}
